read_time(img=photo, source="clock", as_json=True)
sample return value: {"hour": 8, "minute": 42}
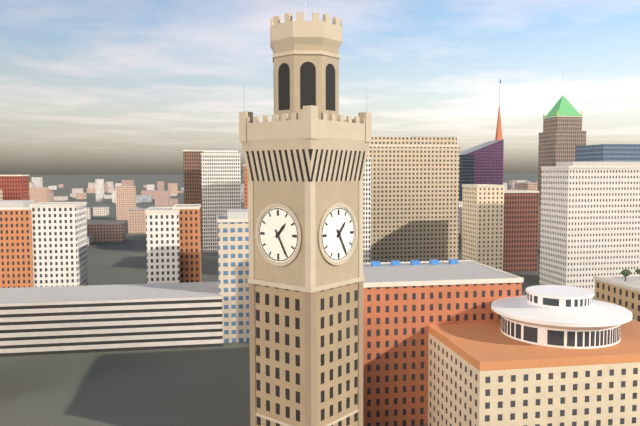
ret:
{"hour": 1, "minute": 25}
